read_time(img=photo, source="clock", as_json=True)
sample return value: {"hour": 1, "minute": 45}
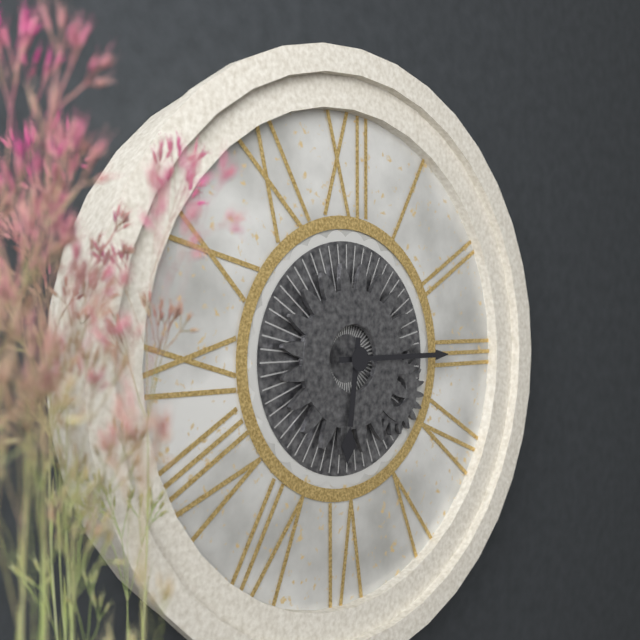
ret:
{"hour": 6, "minute": 15}
